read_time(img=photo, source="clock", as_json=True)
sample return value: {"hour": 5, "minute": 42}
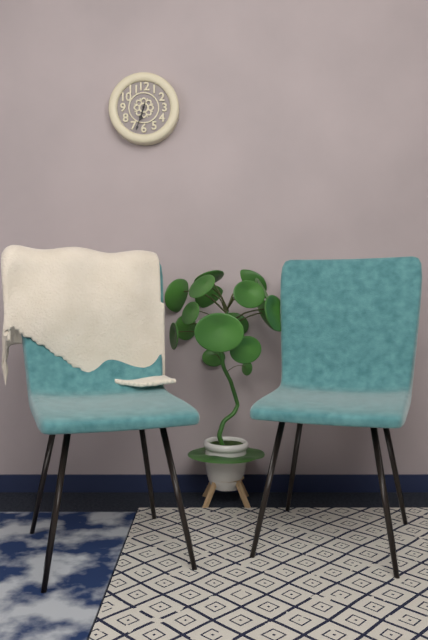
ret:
{"hour": 6, "minute": 33}
